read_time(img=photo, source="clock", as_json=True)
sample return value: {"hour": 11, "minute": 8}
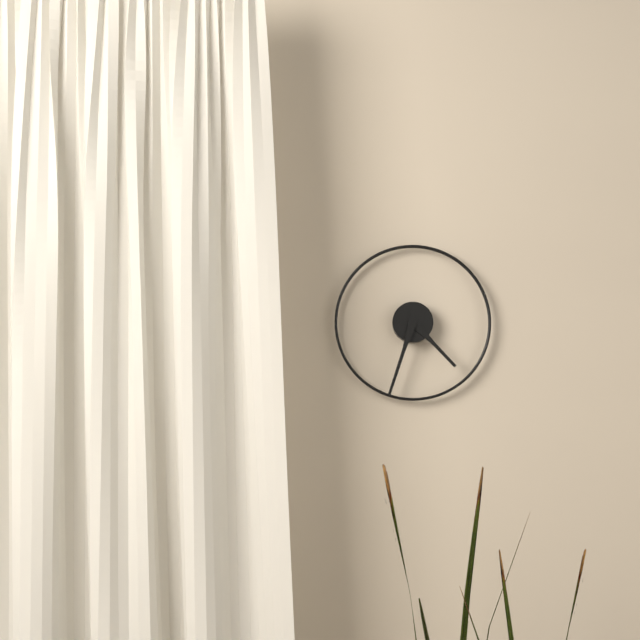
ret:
{"hour": 4, "minute": 33}
